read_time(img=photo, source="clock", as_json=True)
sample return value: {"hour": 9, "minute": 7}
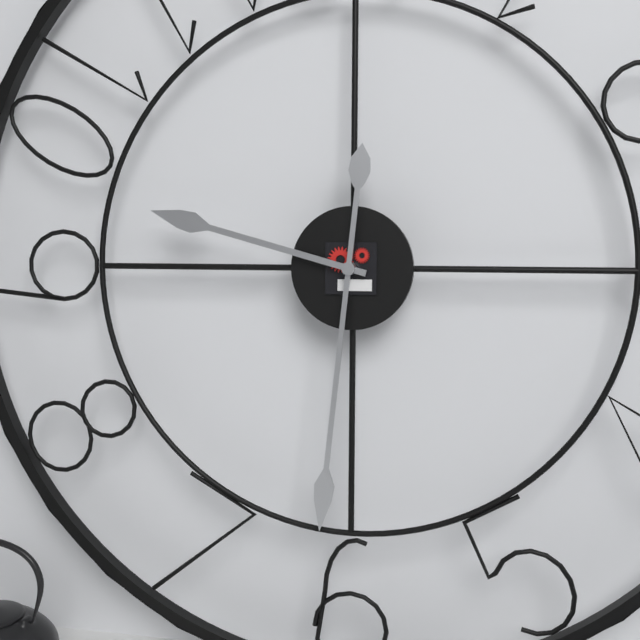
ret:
{"hour": 9, "minute": 31}
